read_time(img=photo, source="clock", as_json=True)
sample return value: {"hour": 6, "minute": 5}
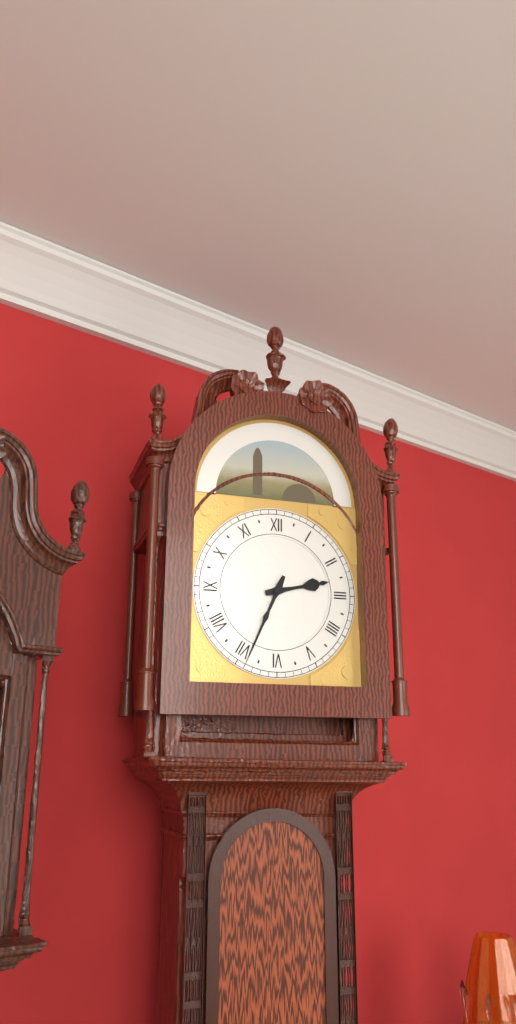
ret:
{"hour": 2, "minute": 34}
